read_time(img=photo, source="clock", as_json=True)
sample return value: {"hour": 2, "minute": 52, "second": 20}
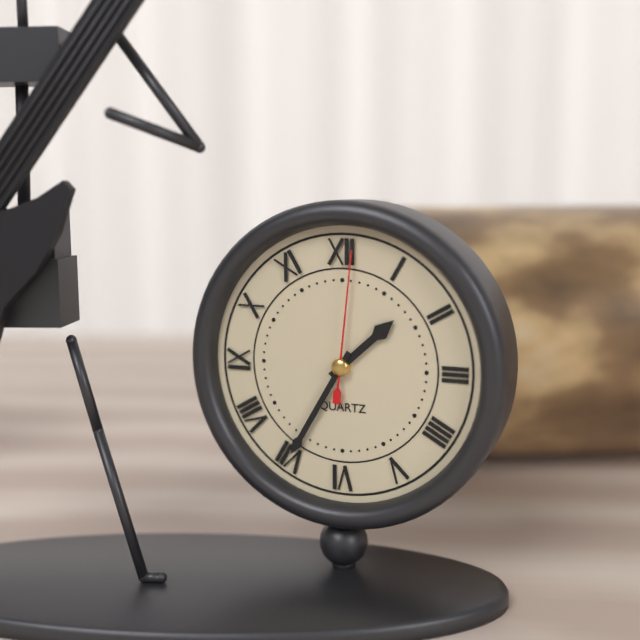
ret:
{"hour": 1, "minute": 35, "second": 1}
